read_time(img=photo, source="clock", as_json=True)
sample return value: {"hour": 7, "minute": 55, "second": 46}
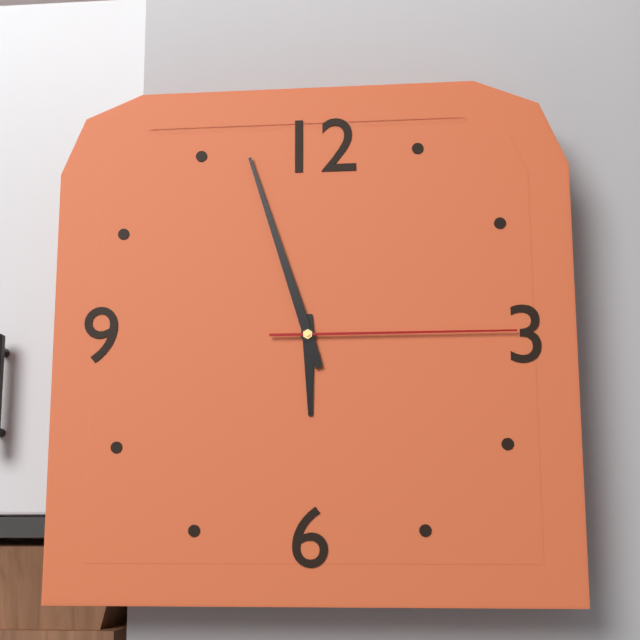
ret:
{"hour": 5, "minute": 57, "second": 15}
